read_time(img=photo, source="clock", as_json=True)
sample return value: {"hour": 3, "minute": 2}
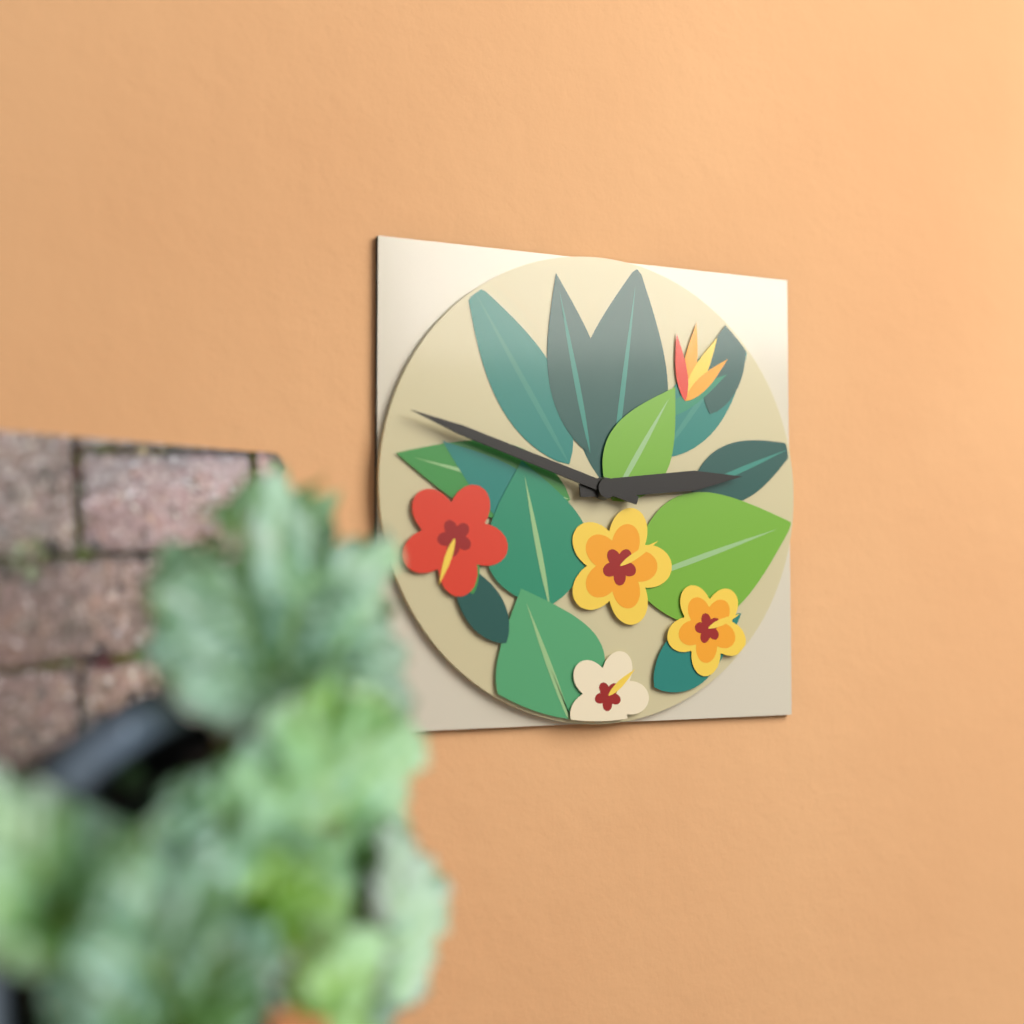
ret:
{"hour": 2, "minute": 48}
